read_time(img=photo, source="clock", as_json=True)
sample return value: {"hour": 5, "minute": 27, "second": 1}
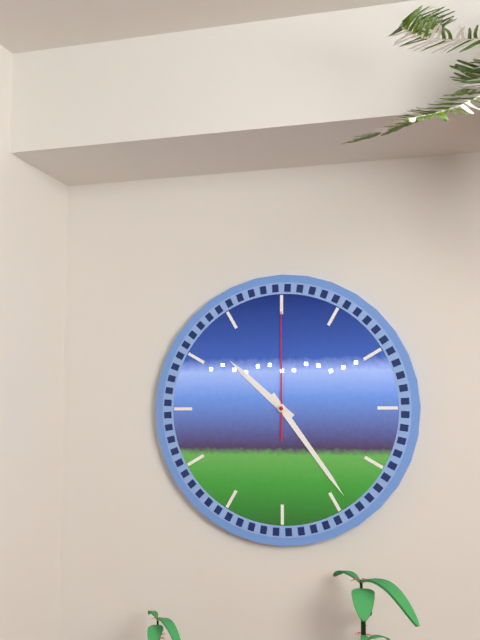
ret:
{"hour": 10, "minute": 24, "second": 0}
